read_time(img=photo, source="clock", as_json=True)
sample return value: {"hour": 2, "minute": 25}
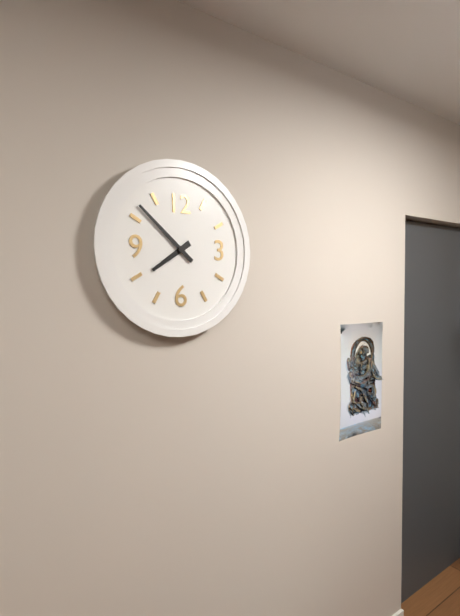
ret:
{"hour": 7, "minute": 52}
